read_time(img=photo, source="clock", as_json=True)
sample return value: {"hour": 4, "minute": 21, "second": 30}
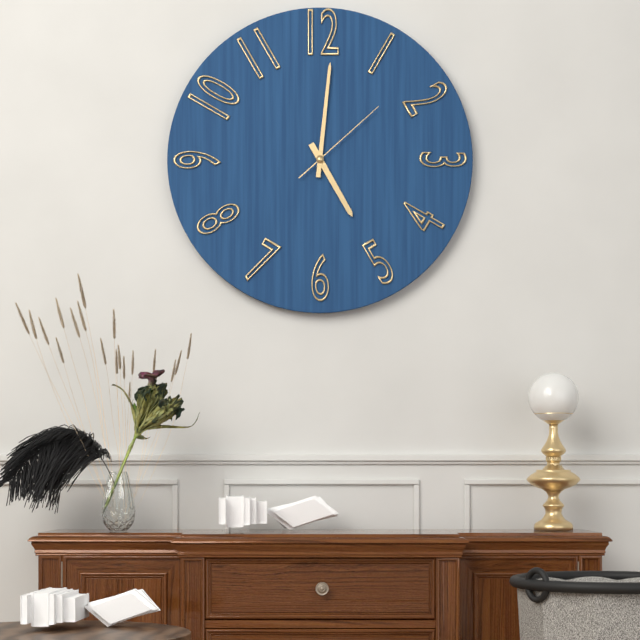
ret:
{"hour": 5, "minute": 1, "second": 8}
